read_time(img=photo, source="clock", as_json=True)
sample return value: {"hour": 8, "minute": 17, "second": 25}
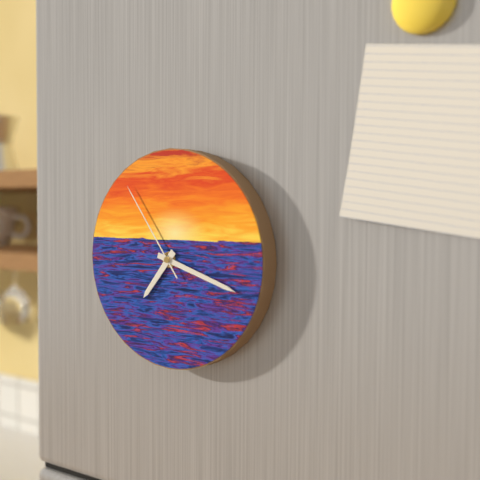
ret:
{"hour": 7, "minute": 18, "second": 54}
